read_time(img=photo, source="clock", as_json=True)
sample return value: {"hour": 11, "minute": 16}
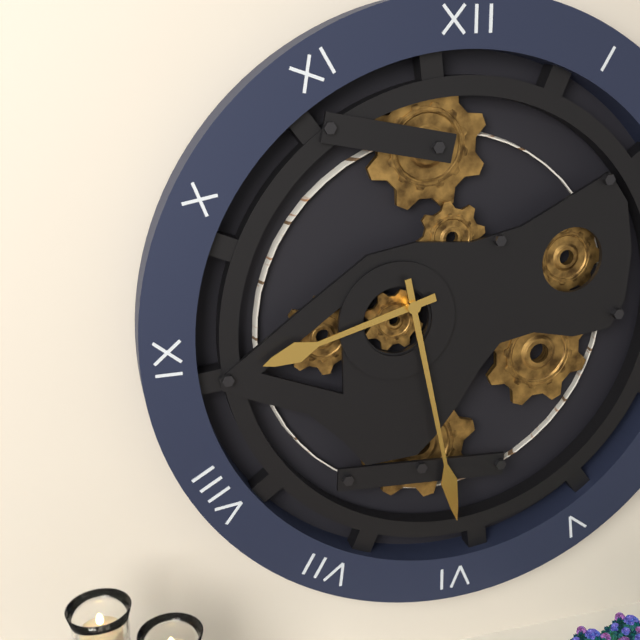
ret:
{"hour": 8, "minute": 28}
